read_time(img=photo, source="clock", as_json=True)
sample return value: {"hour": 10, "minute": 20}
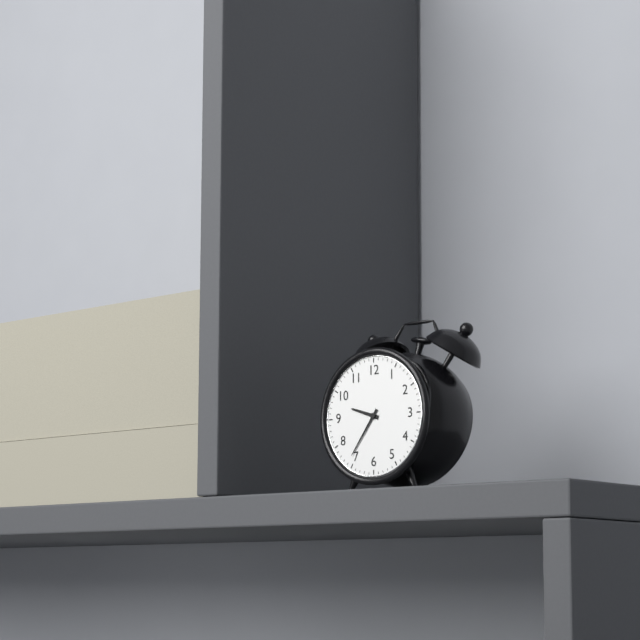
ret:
{"hour": 9, "minute": 36}
